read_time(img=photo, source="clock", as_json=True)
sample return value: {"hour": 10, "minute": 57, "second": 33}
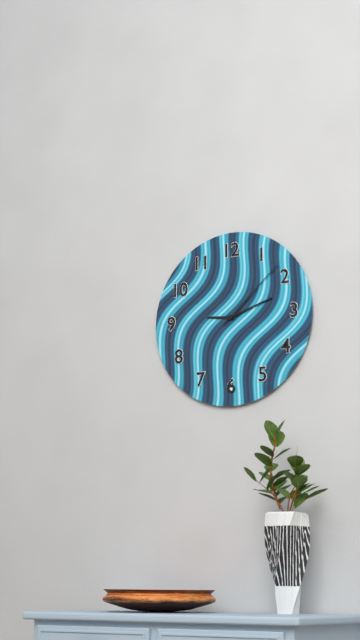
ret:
{"hour": 9, "minute": 12, "second": 8}
